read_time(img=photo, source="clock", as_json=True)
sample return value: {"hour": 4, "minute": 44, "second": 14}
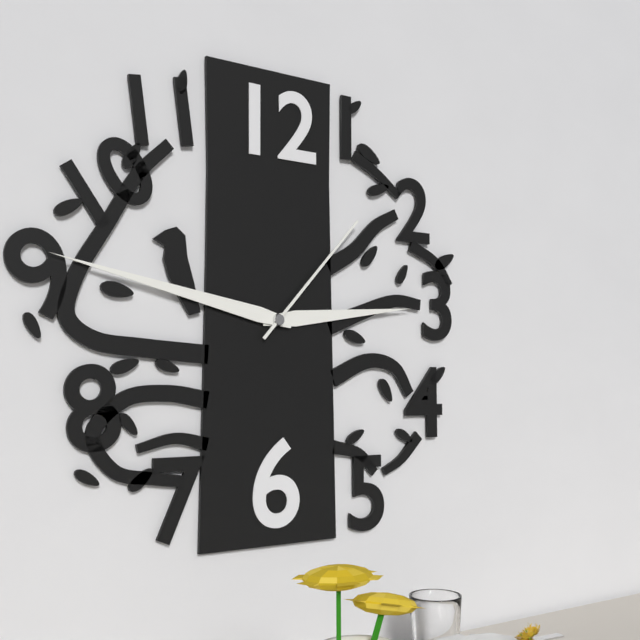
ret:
{"hour": 2, "minute": 47, "second": 7}
